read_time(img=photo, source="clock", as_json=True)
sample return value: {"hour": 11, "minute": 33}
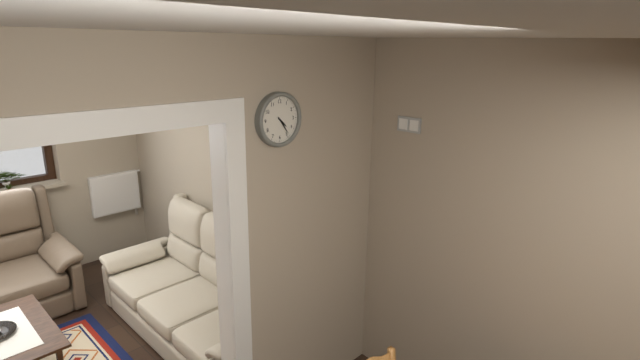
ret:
{"hour": 4, "minute": 24}
